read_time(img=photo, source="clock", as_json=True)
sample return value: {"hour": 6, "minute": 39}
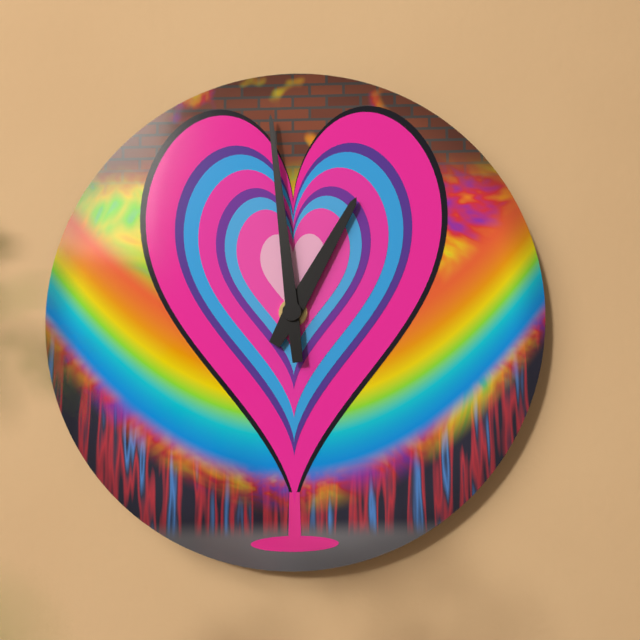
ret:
{"hour": 12, "minute": 59}
